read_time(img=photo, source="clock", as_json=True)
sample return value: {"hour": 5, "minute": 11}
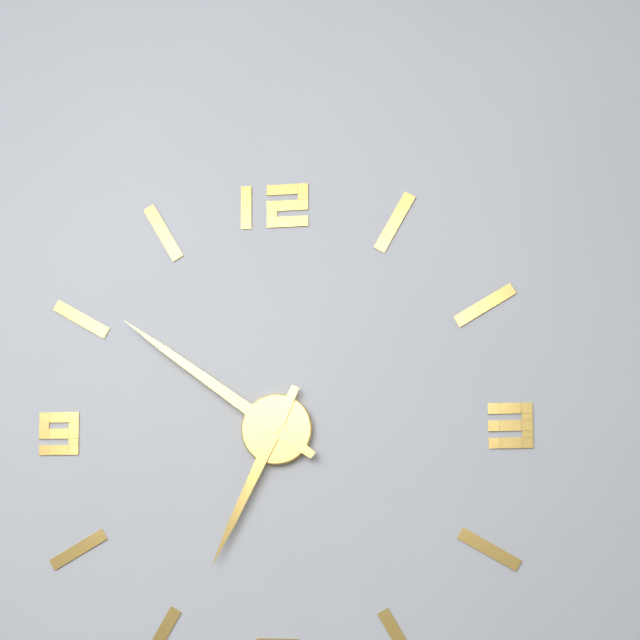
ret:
{"hour": 6, "minute": 51}
